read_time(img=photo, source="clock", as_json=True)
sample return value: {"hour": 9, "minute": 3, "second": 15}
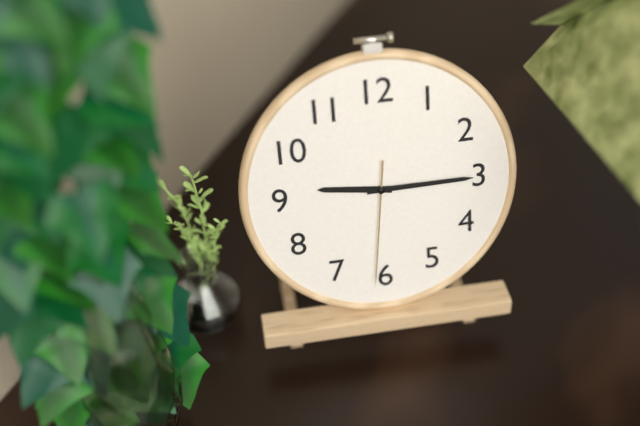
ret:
{"hour": 9, "minute": 15, "second": 31}
